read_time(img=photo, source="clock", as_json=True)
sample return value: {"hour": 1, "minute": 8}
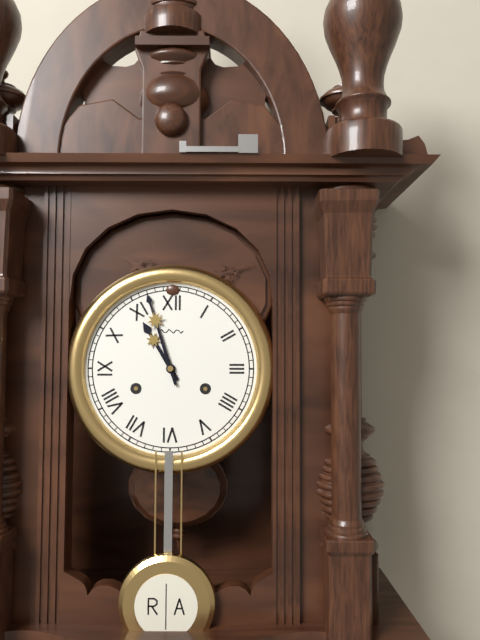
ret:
{"hour": 10, "minute": 57}
